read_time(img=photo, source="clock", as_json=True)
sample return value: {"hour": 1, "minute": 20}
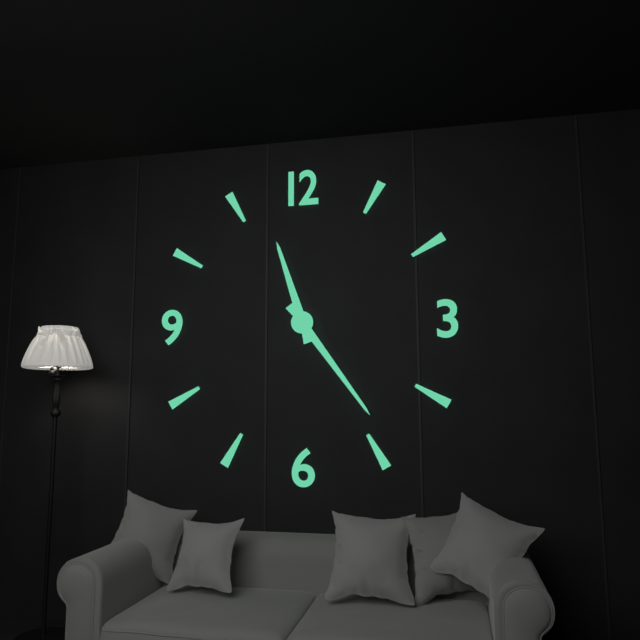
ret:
{"hour": 11, "minute": 24}
